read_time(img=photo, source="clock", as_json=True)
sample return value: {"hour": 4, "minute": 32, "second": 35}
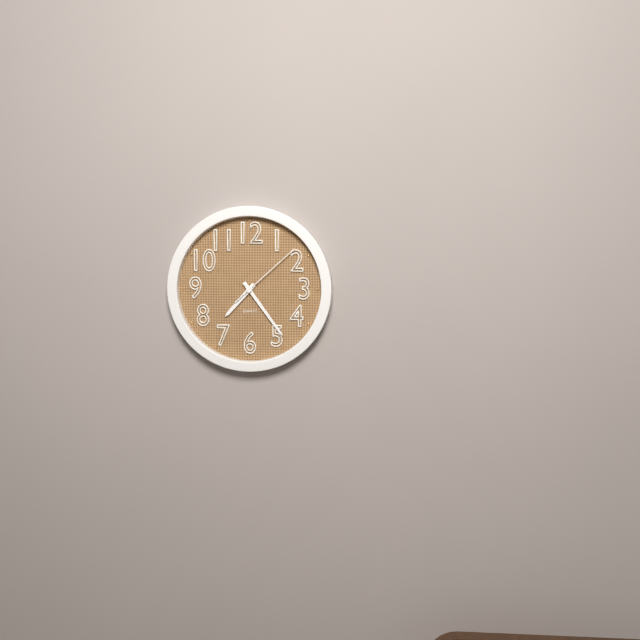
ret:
{"hour": 7, "minute": 24, "second": 8}
